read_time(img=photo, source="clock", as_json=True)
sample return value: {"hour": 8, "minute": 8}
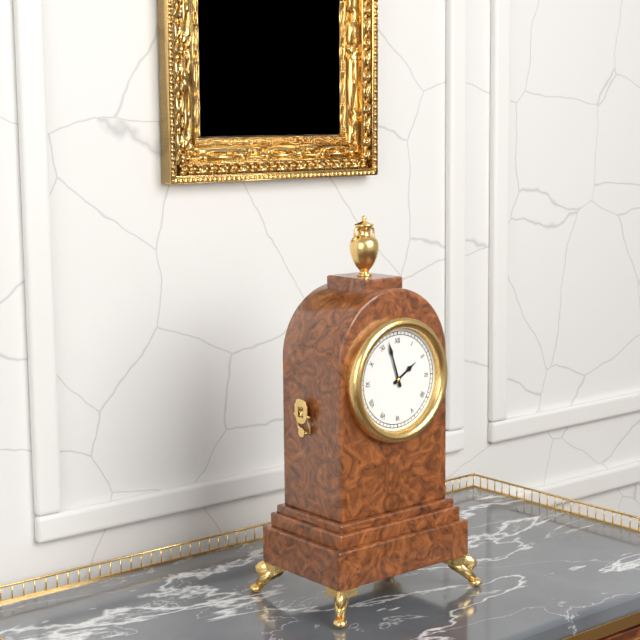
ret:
{"hour": 1, "minute": 57}
